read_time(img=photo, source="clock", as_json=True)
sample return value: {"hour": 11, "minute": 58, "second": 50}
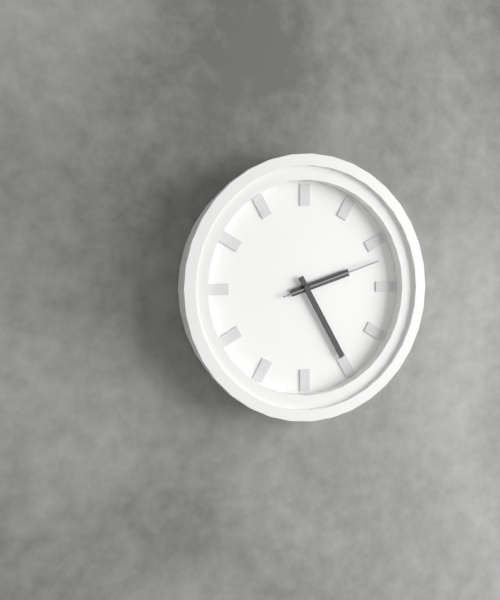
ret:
{"hour": 2, "minute": 25, "second": 12}
